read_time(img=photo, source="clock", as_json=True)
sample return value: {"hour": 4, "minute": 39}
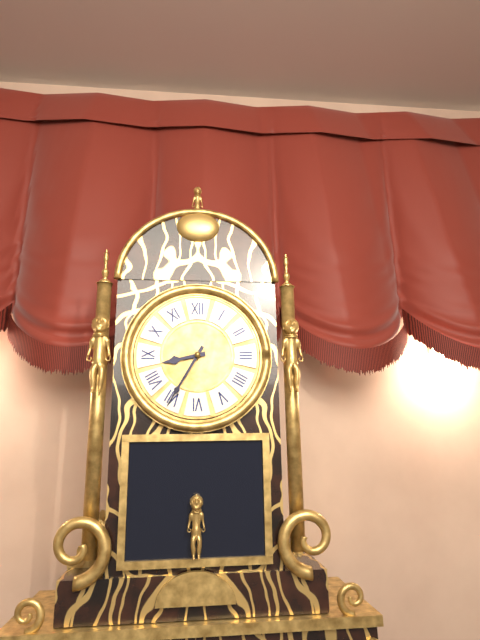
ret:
{"hour": 8, "minute": 35}
